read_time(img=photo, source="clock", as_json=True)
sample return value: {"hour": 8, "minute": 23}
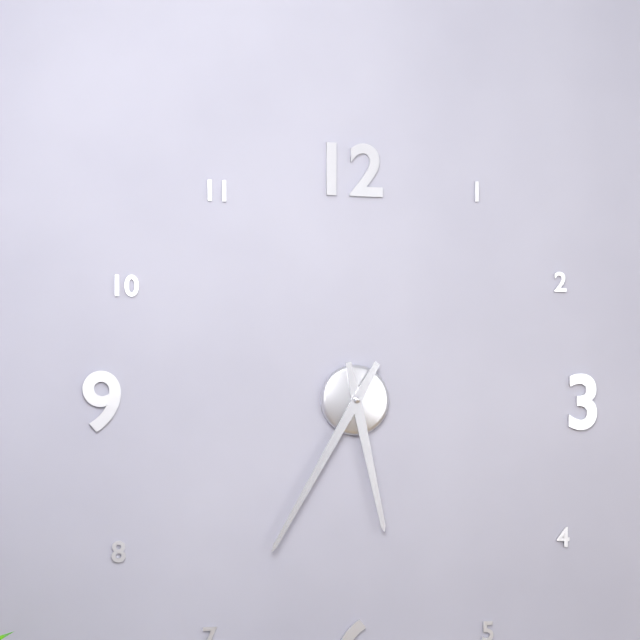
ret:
{"hour": 5, "minute": 35}
